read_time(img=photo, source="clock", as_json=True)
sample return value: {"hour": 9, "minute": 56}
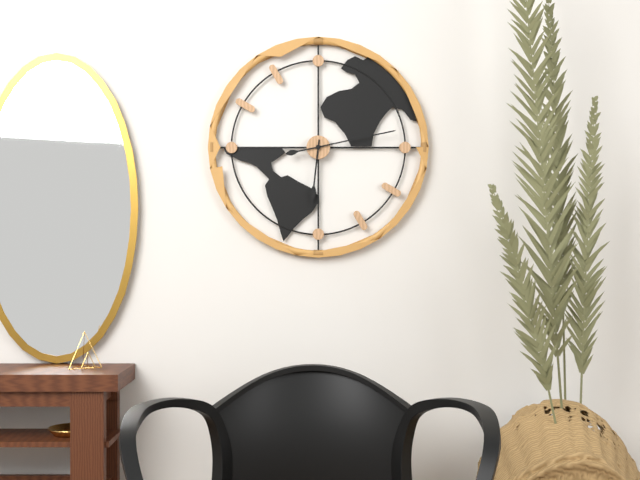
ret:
{"hour": 6, "minute": 13}
